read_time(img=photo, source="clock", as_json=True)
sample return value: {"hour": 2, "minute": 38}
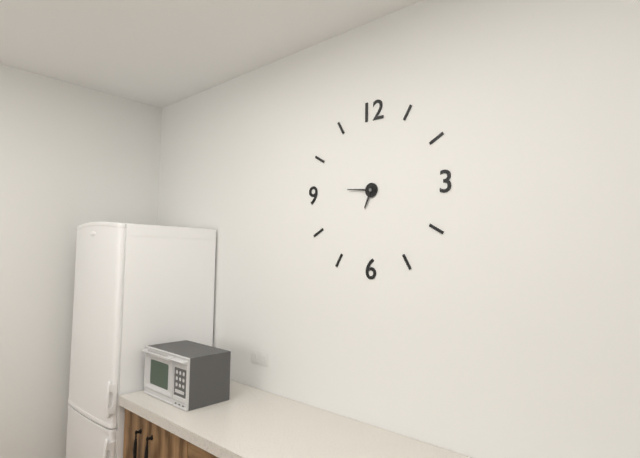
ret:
{"hour": 6, "minute": 46}
